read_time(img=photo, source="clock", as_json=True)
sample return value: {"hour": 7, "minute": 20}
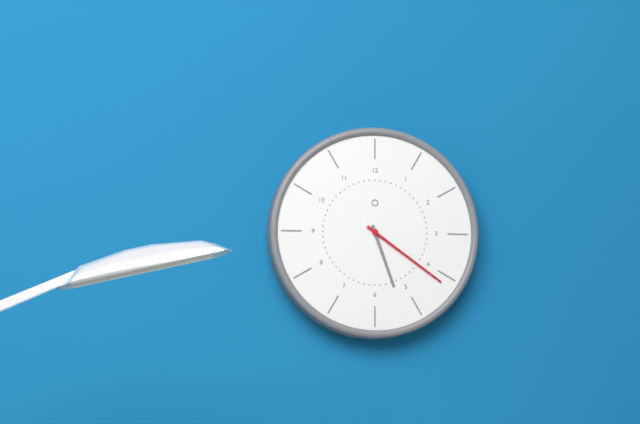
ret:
{"hour": 5, "minute": 21}
